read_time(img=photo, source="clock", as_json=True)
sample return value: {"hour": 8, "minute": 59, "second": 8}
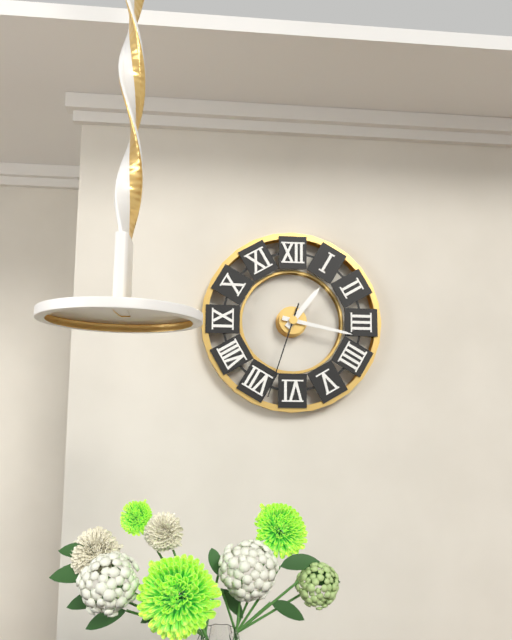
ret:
{"hour": 1, "minute": 17, "second": 33}
